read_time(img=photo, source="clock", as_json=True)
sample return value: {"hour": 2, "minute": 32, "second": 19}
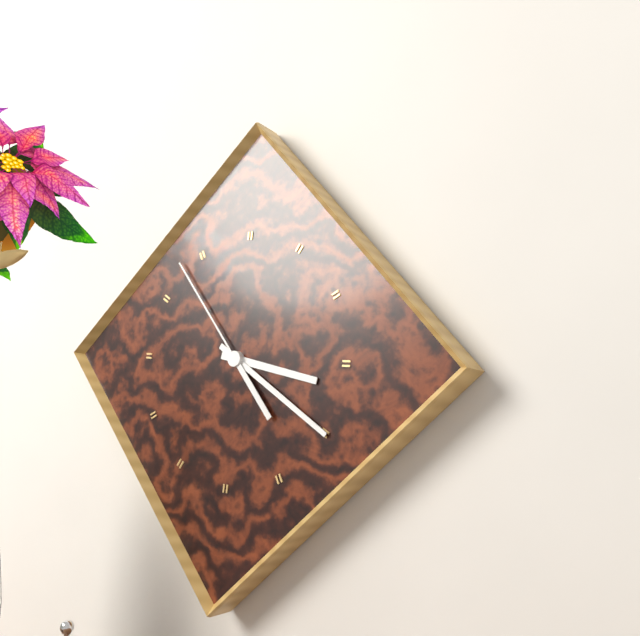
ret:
{"hour": 3, "minute": 20, "second": 53}
